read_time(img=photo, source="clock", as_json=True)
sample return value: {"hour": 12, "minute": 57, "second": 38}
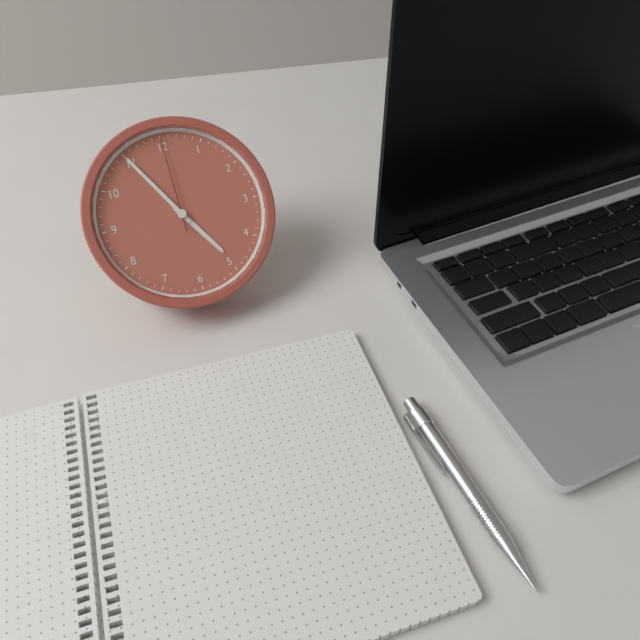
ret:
{"hour": 4, "minute": 55, "second": 0}
